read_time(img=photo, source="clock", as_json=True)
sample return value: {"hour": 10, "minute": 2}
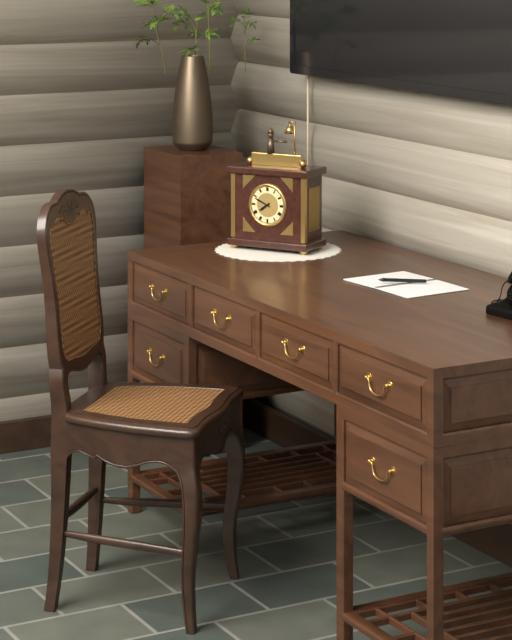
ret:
{"hour": 7, "minute": 49}
